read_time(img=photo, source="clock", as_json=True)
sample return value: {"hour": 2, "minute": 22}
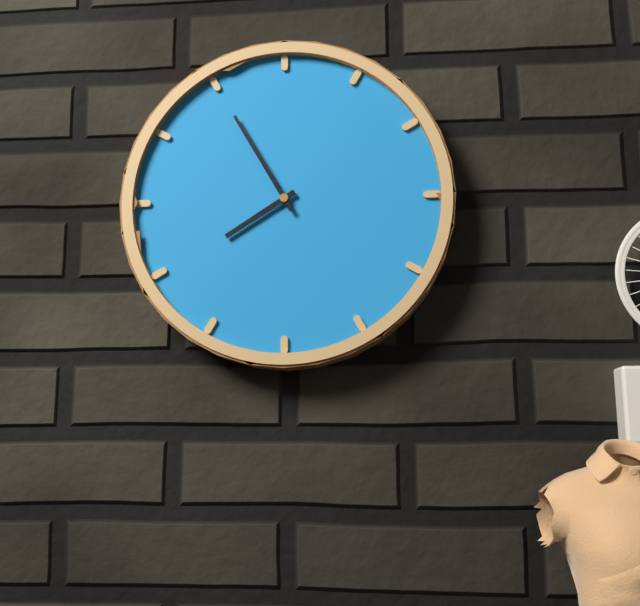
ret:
{"hour": 7, "minute": 55}
